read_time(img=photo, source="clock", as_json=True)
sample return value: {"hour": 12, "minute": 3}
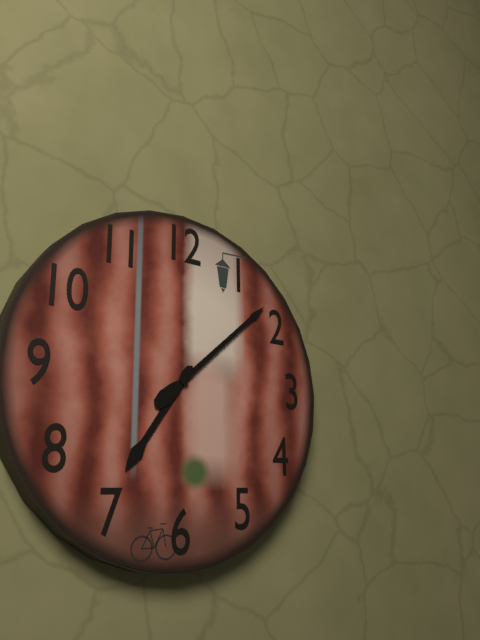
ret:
{"hour": 7, "minute": 8}
